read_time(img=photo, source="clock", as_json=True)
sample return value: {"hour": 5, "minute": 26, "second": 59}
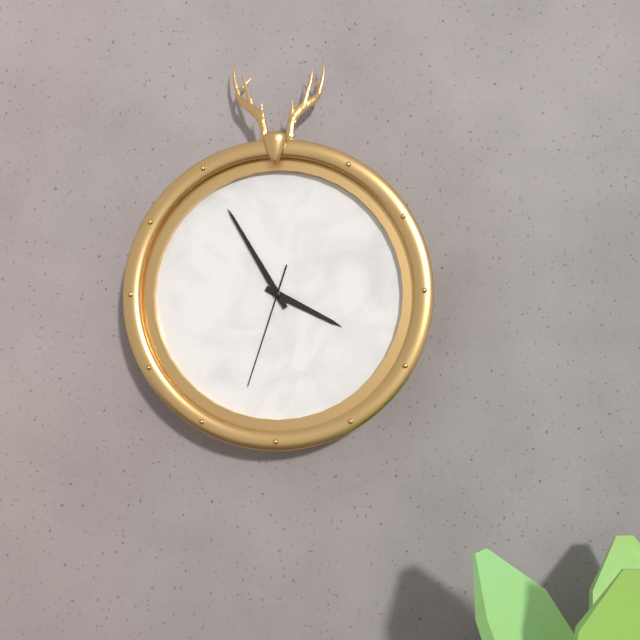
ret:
{"hour": 3, "minute": 55, "second": 33}
